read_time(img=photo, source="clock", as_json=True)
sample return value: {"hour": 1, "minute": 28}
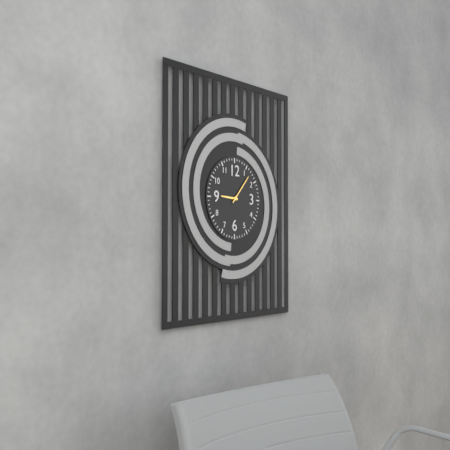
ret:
{"hour": 9, "minute": 7}
